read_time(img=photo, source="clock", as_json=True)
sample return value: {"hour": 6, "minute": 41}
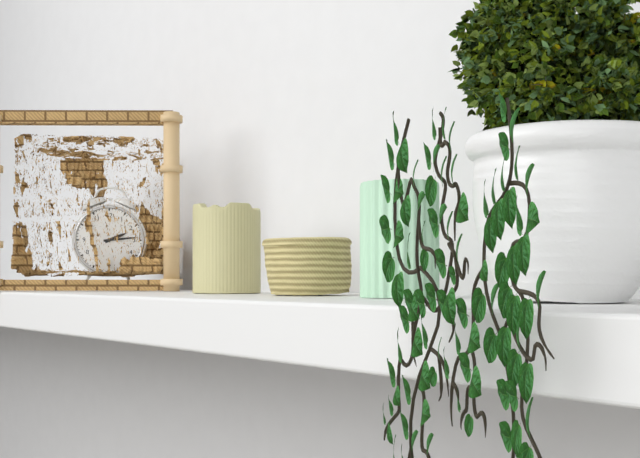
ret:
{"hour": 2, "minute": 14}
